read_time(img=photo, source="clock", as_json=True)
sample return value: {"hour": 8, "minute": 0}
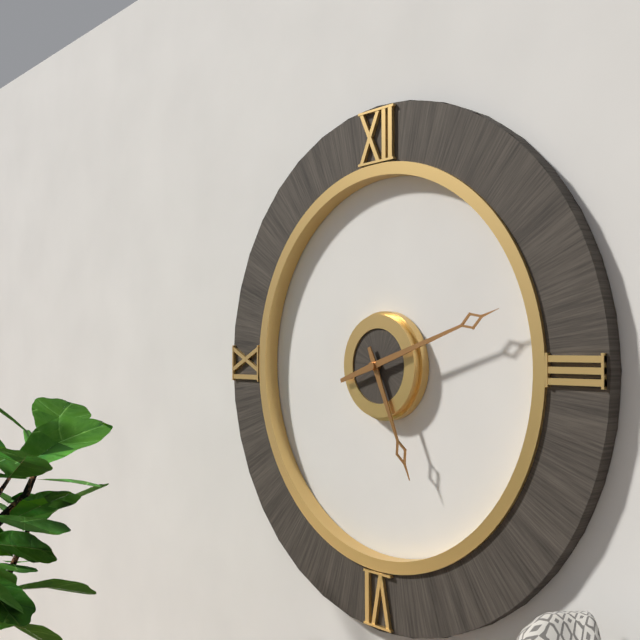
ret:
{"hour": 5, "minute": 12}
